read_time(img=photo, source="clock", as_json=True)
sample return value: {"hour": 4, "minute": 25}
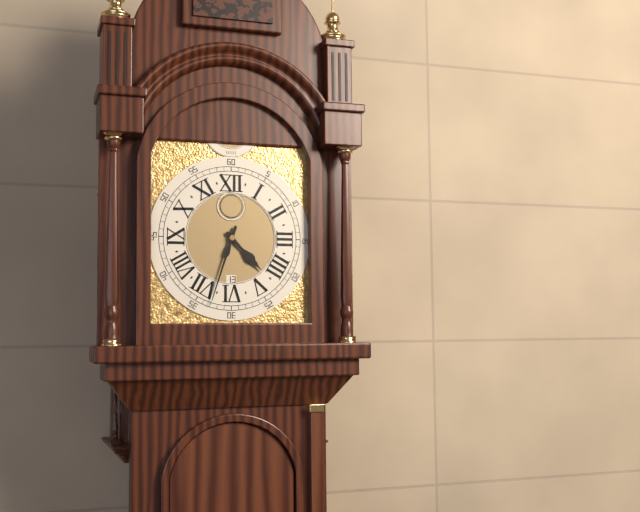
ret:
{"hour": 4, "minute": 33}
